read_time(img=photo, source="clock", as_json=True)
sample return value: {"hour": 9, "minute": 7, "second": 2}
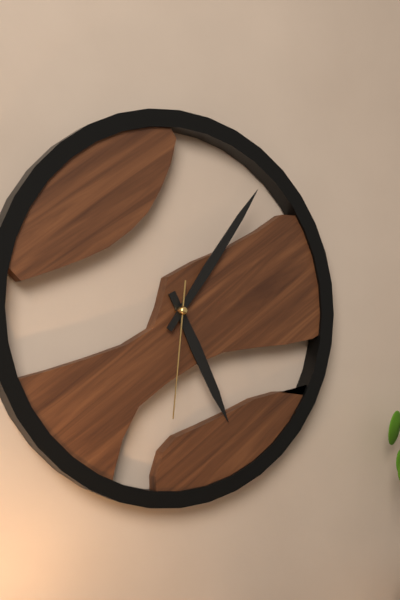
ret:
{"hour": 5, "minute": 6, "second": 31}
